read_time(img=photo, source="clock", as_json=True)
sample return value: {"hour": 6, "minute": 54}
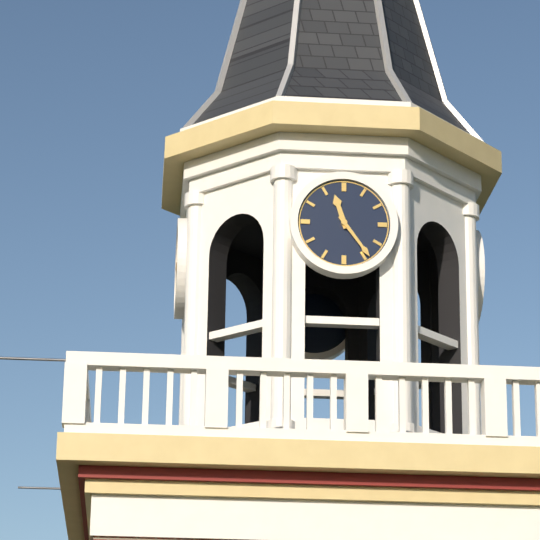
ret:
{"hour": 11, "minute": 24}
